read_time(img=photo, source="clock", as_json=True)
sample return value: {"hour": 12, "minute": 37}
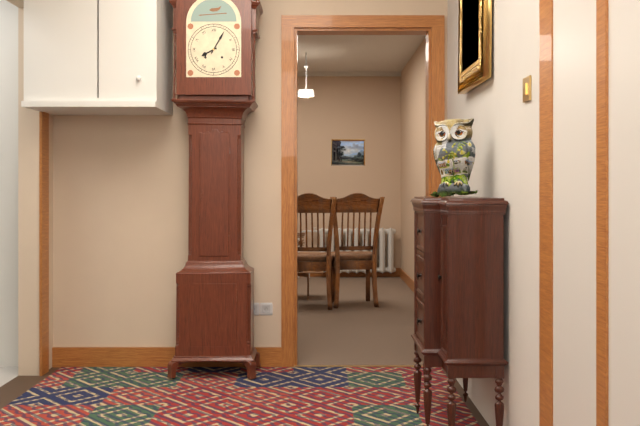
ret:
{"hour": 8, "minute": 5}
